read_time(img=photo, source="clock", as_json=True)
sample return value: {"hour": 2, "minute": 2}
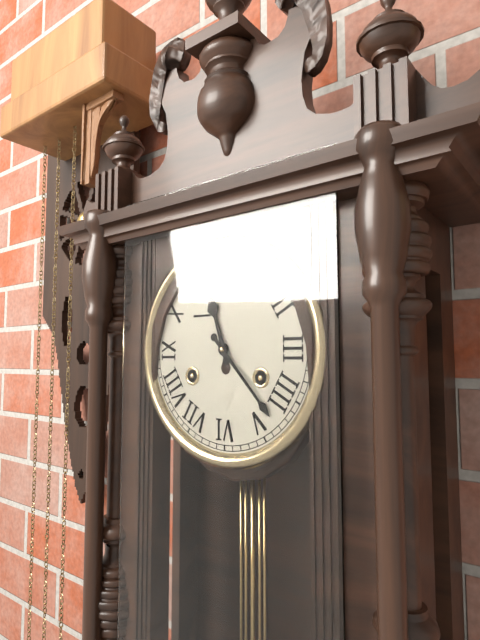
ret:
{"hour": 11, "minute": 23}
